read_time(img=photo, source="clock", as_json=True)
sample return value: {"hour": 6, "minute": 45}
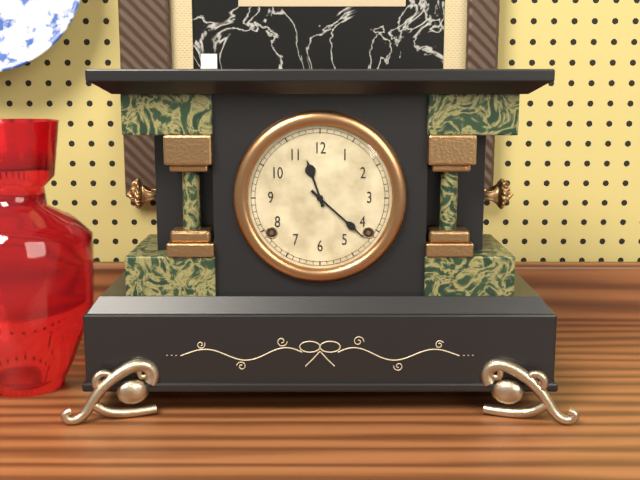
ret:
{"hour": 11, "minute": 22}
